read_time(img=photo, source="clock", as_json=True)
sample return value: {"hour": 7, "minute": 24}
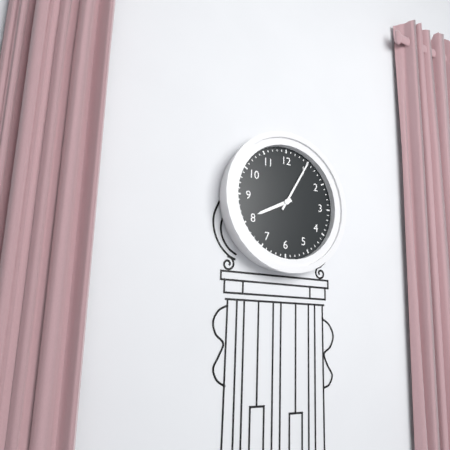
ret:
{"hour": 8, "minute": 5}
